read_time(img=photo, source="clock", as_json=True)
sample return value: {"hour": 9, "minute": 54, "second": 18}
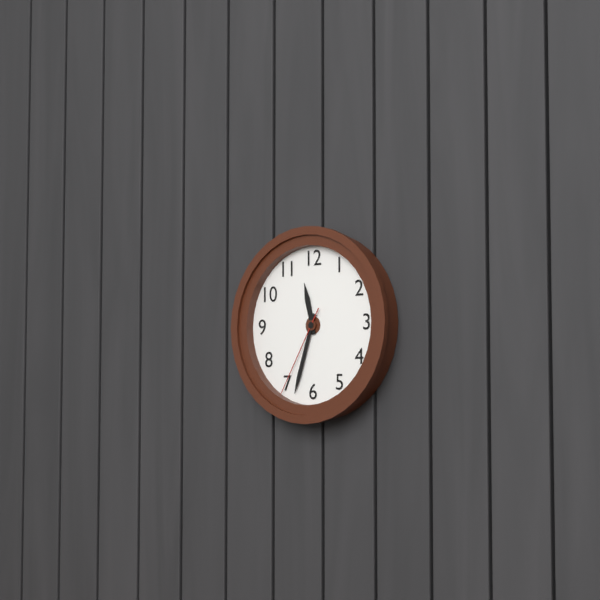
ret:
{"hour": 11, "minute": 33, "second": 35}
